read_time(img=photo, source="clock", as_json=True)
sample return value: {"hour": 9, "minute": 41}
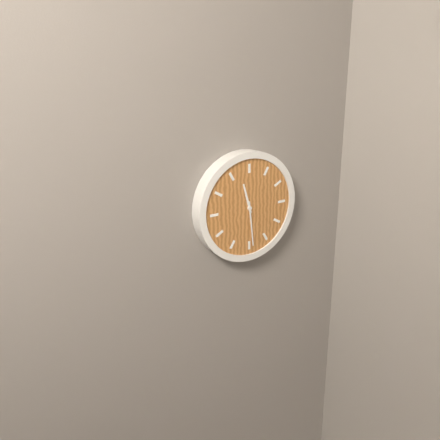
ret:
{"hour": 11, "minute": 29}
